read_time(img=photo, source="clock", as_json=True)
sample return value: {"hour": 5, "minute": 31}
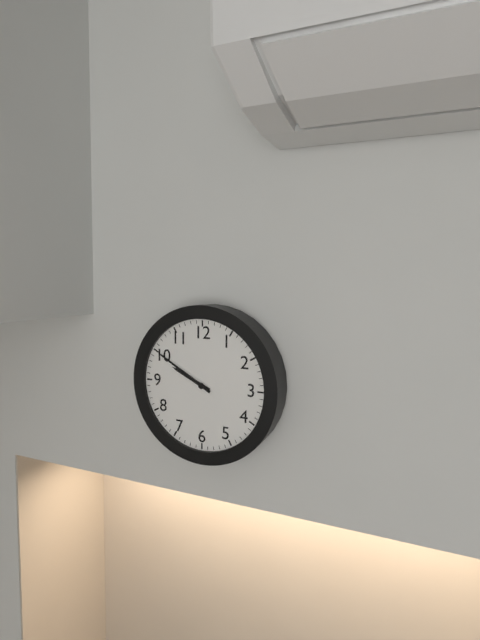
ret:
{"hour": 9, "minute": 50}
